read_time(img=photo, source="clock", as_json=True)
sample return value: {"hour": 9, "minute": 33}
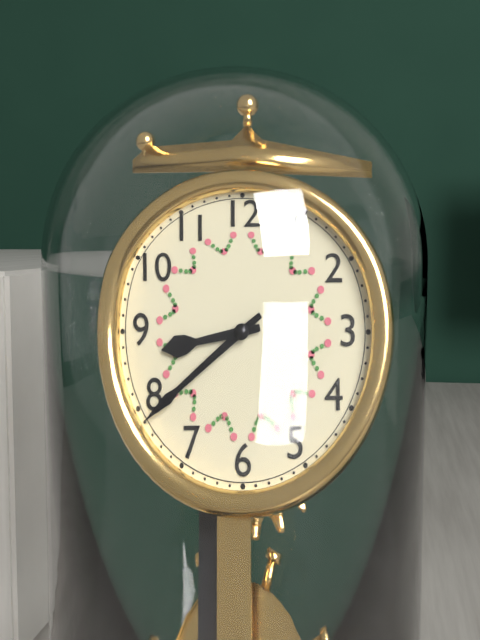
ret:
{"hour": 8, "minute": 39}
